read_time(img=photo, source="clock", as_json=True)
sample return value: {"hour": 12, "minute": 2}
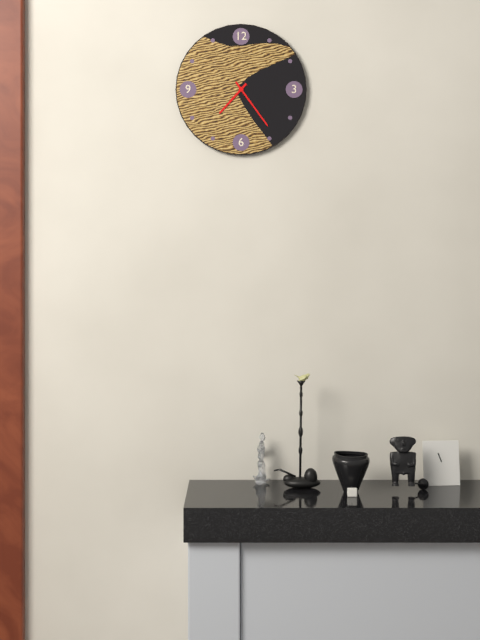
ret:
{"hour": 7, "minute": 24}
